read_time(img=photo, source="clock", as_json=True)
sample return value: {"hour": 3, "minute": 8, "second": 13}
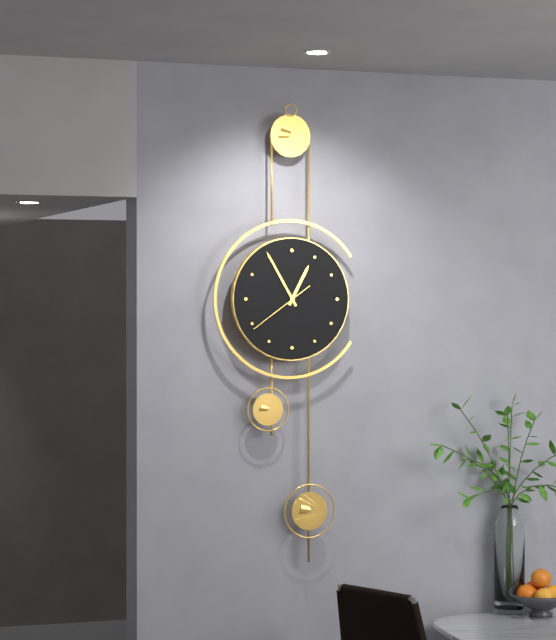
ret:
{"hour": 12, "minute": 55, "second": 39}
